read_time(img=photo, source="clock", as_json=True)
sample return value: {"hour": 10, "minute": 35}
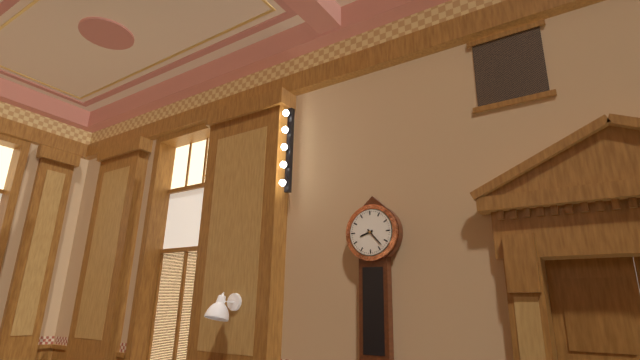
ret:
{"hour": 8, "minute": 23}
